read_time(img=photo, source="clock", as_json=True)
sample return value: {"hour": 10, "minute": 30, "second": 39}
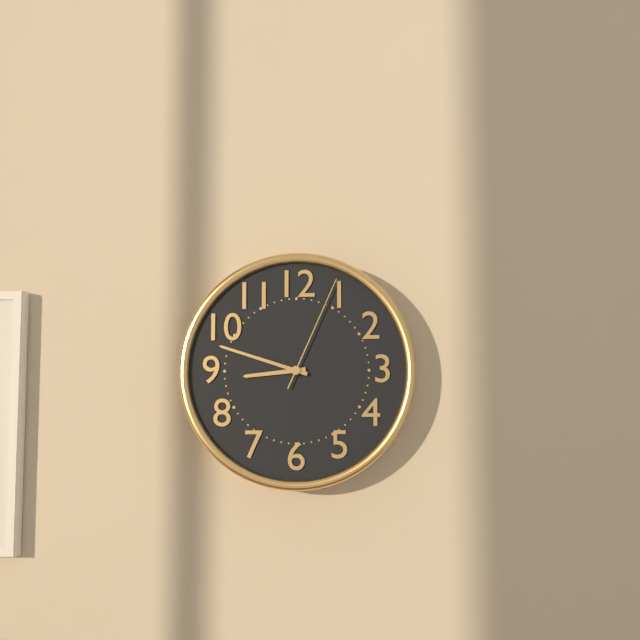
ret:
{"hour": 8, "minute": 48, "second": 4}
